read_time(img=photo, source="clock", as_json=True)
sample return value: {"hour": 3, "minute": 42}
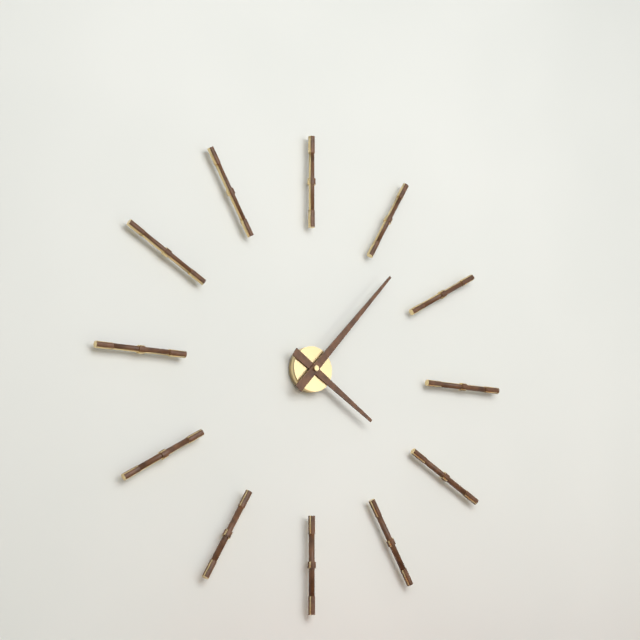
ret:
{"hour": 4, "minute": 7}
